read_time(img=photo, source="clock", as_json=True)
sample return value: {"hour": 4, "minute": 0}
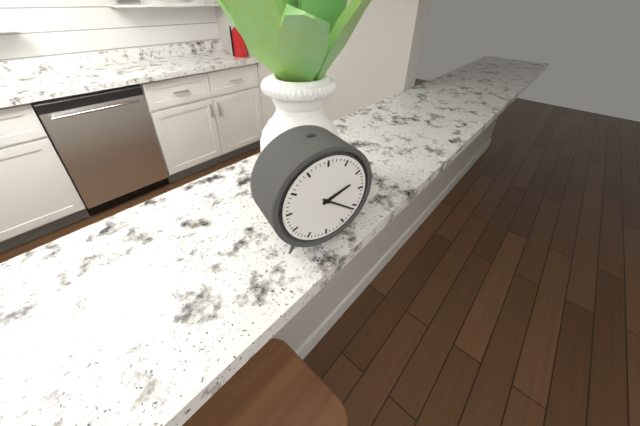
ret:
{"hour": 2, "minute": 21}
